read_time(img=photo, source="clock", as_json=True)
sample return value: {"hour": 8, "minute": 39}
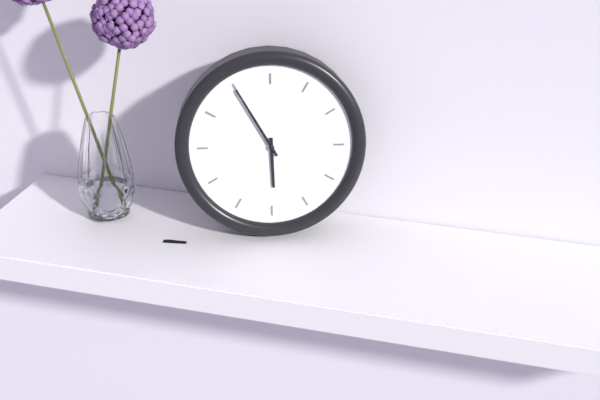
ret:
{"hour": 5, "minute": 55}
